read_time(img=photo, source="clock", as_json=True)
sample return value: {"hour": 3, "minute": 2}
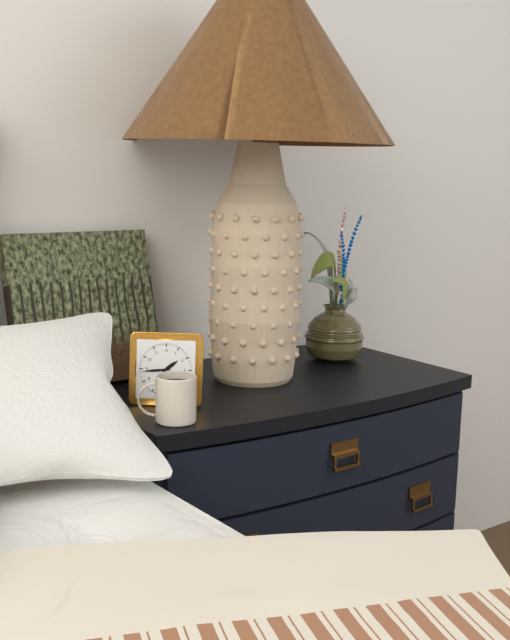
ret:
{"hour": 1, "minute": 44}
